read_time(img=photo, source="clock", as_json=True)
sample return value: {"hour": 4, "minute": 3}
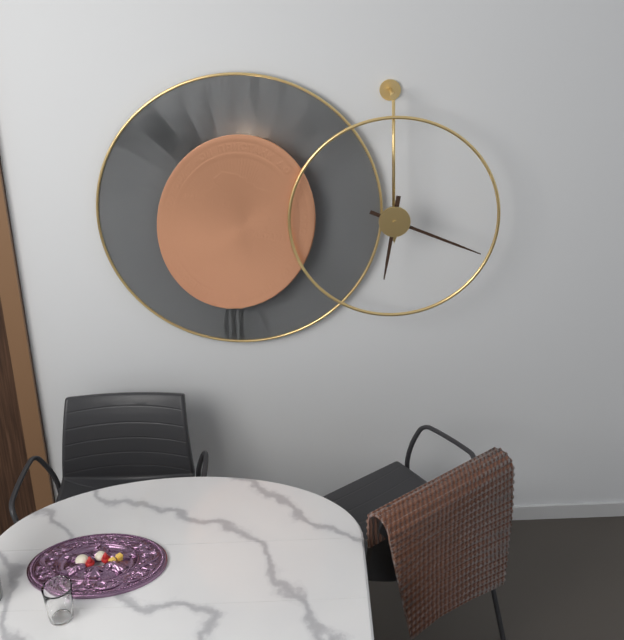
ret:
{"hour": 6, "minute": 19}
